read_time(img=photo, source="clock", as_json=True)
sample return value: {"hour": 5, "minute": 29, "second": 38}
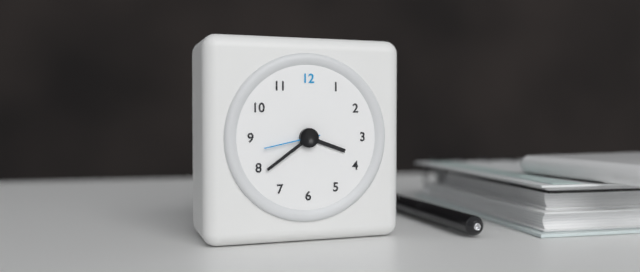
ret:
{"hour": 3, "minute": 39, "second": 43}
